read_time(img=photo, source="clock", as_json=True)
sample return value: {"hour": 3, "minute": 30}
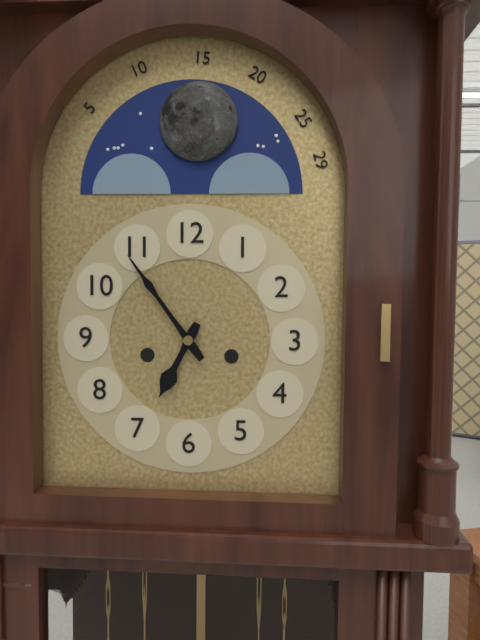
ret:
{"hour": 6, "minute": 54}
